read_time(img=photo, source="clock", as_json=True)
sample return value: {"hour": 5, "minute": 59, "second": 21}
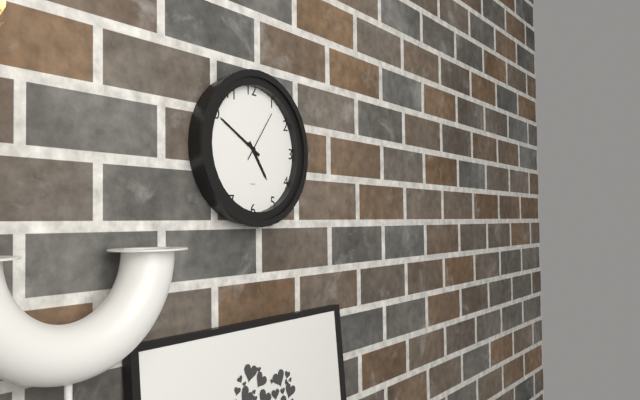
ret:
{"hour": 4, "minute": 50, "second": 6}
